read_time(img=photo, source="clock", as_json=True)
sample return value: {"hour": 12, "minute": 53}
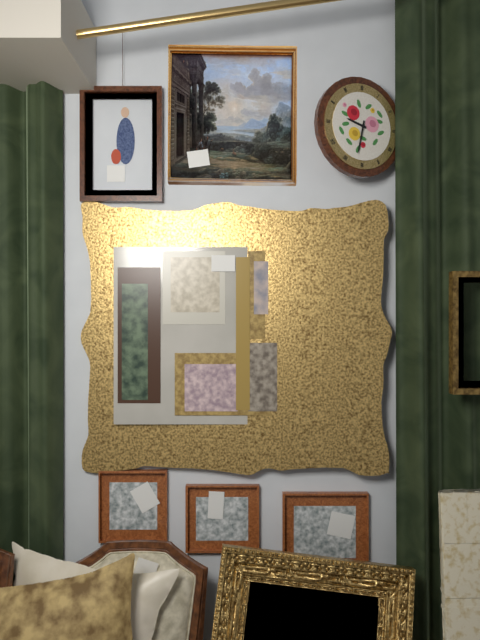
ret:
{"hour": 9, "minute": 32}
